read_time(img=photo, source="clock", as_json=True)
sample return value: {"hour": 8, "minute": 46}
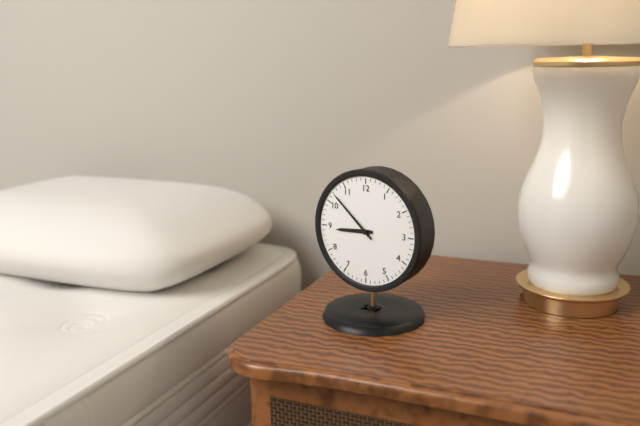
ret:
{"hour": 8, "minute": 52}
